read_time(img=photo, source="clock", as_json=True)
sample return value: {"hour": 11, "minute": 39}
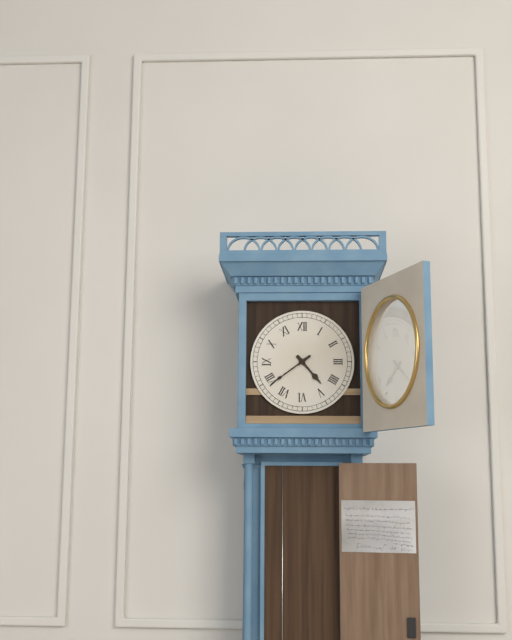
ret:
{"hour": 4, "minute": 39}
